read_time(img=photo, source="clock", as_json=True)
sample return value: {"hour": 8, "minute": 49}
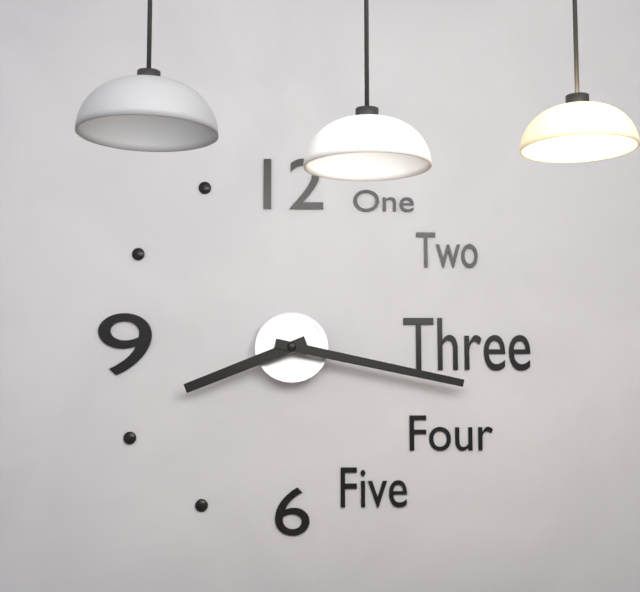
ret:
{"hour": 8, "minute": 17}
